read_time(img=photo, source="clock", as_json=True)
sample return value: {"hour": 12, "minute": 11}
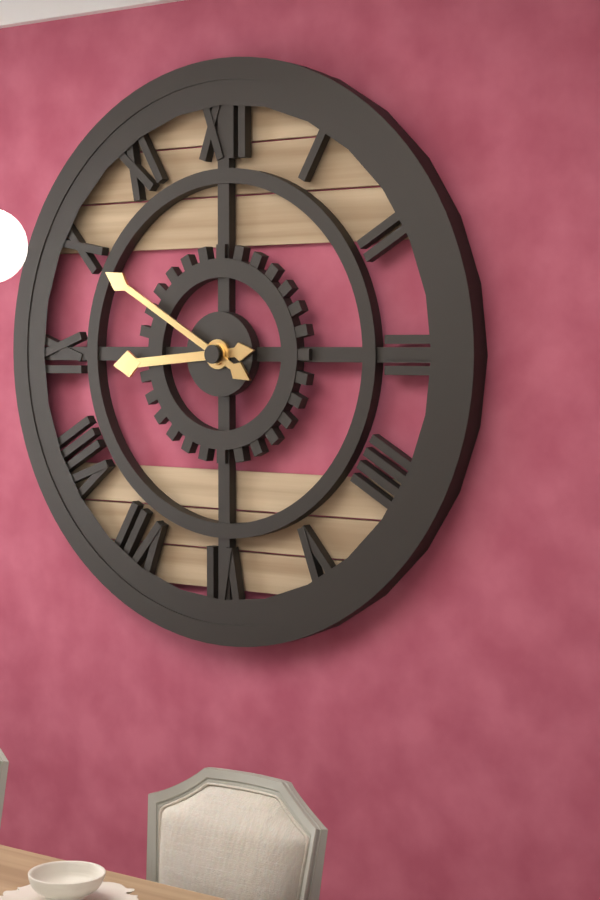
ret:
{"hour": 8, "minute": 50}
